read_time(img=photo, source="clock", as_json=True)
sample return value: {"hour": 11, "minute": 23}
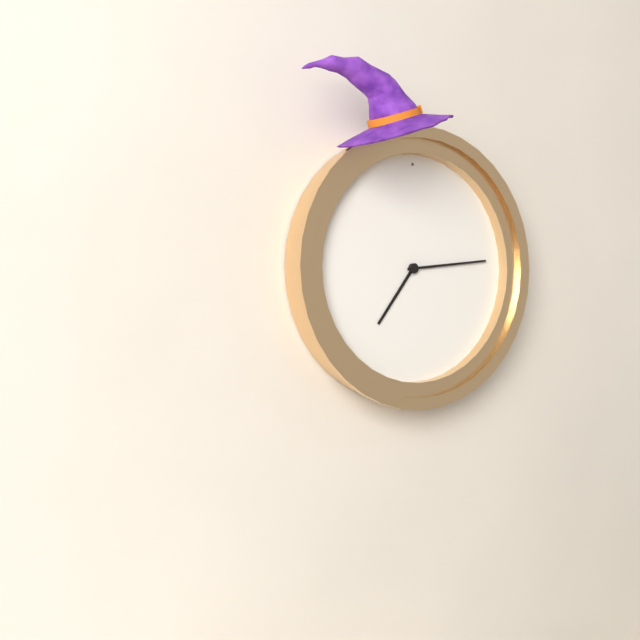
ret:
{"hour": 7, "minute": 14}
